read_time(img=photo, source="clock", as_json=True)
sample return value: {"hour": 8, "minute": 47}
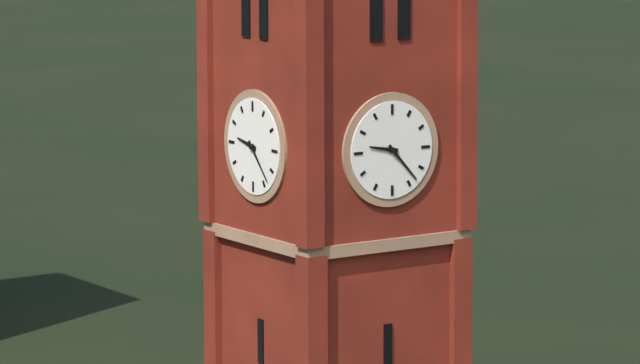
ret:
{"hour": 9, "minute": 23}
